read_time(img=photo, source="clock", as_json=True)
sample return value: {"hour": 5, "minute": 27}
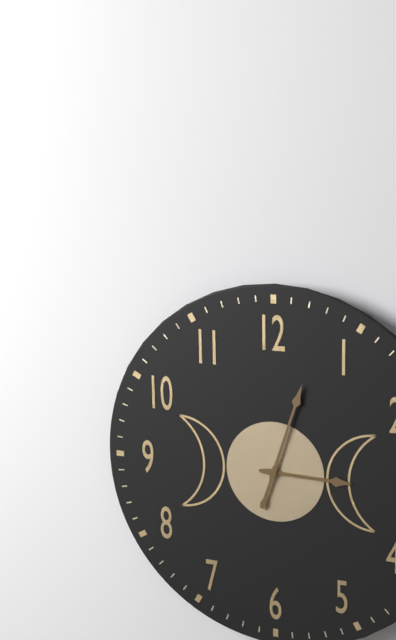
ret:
{"hour": 3, "minute": 3}
